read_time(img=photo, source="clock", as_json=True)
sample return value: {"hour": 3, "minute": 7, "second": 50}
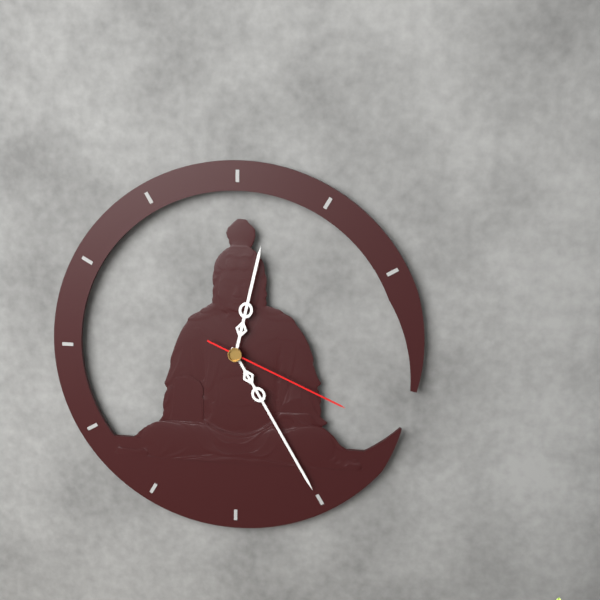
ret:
{"hour": 12, "minute": 25, "second": 19}
